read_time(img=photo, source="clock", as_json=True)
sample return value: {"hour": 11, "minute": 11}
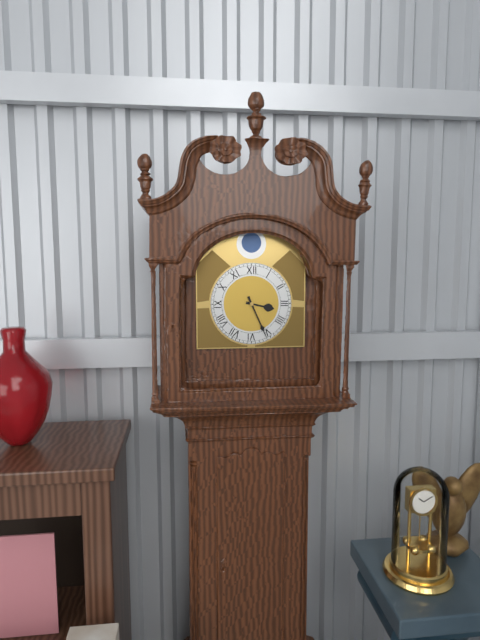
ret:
{"hour": 3, "minute": 26}
